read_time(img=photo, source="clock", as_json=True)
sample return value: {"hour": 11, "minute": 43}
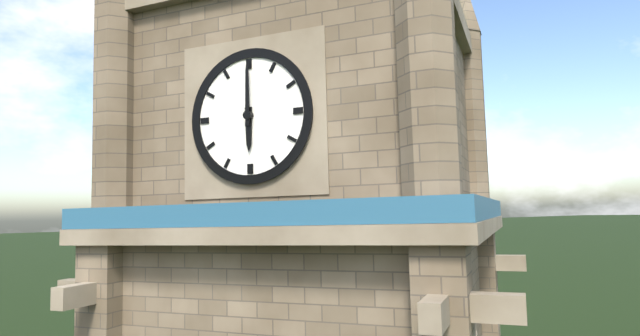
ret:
{"hour": 6, "minute": 0}
